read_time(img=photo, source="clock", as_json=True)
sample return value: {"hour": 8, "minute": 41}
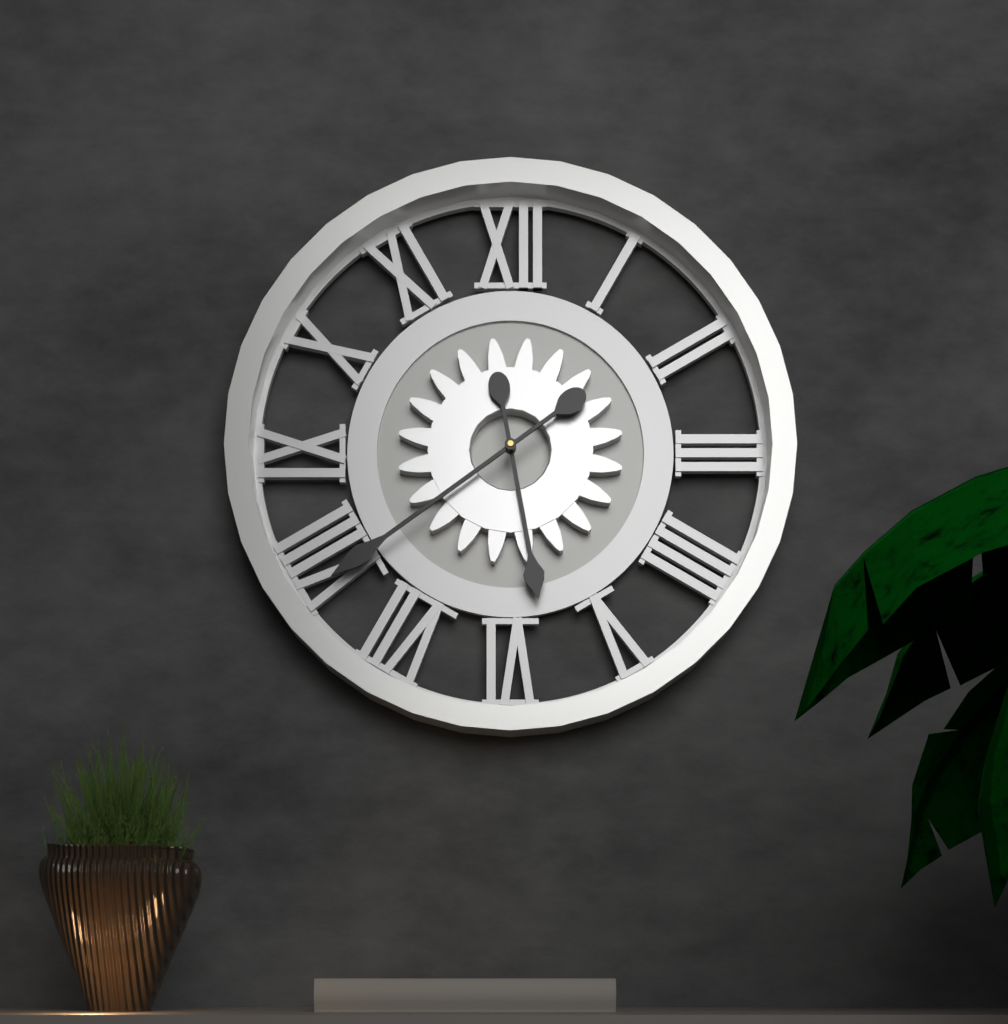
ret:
{"hour": 5, "minute": 39}
